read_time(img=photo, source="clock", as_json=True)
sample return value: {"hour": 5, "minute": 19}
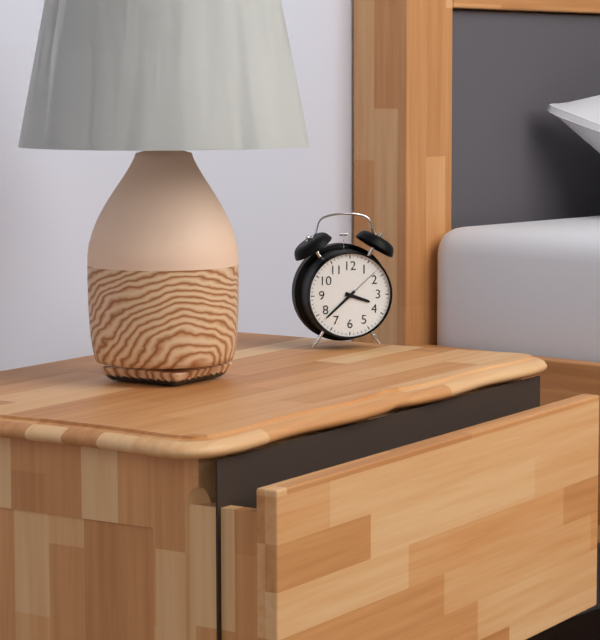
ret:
{"hour": 3, "minute": 38}
